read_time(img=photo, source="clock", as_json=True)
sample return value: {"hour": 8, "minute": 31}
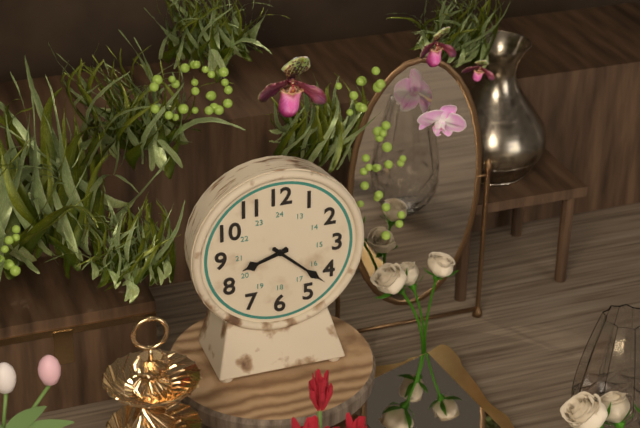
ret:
{"hour": 8, "minute": 22}
